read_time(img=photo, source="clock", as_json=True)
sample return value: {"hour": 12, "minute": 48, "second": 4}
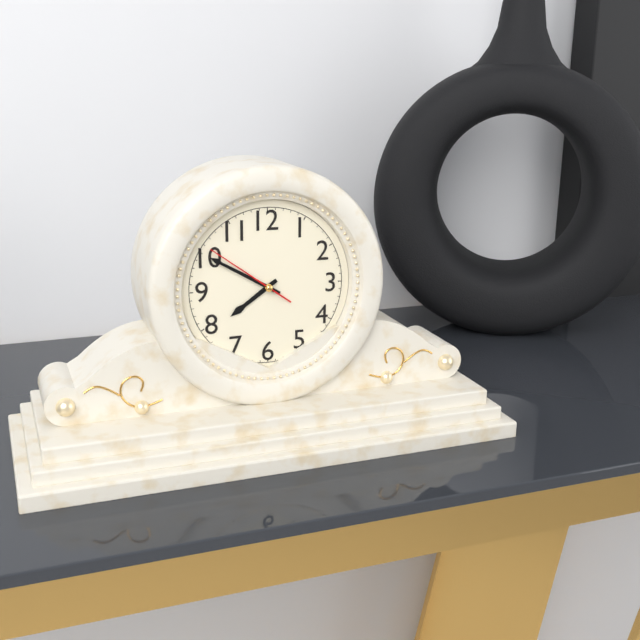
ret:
{"hour": 7, "minute": 50, "second": 51}
